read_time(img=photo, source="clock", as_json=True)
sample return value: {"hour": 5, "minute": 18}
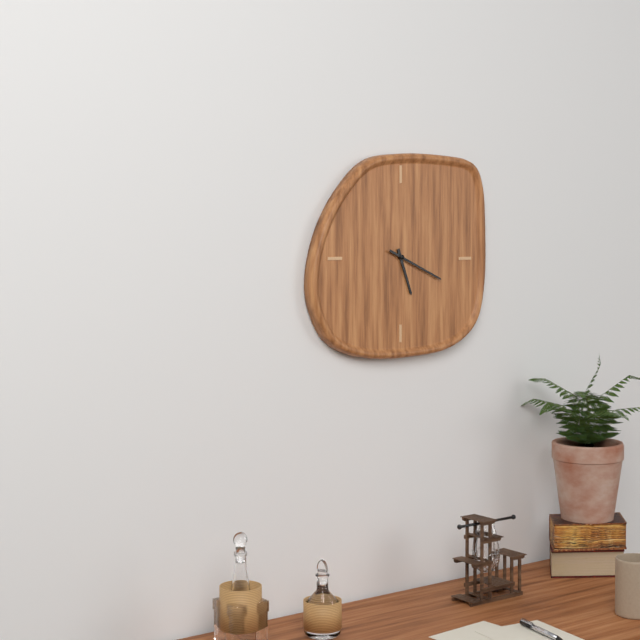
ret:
{"hour": 5, "minute": 19}
